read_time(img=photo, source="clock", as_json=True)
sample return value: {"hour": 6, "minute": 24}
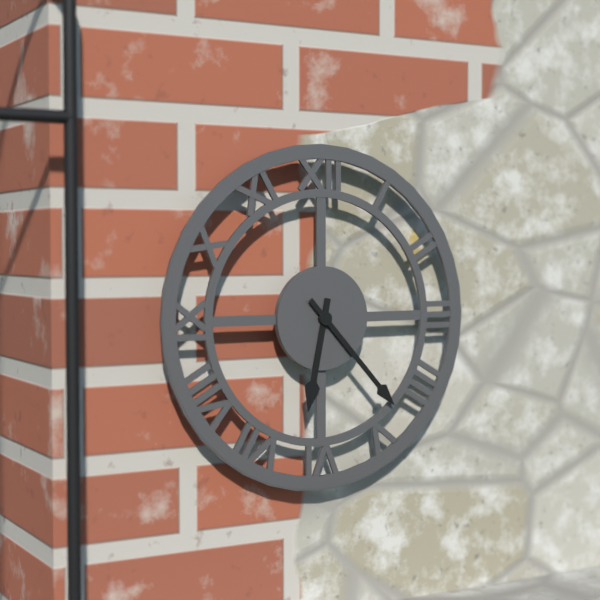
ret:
{"hour": 6, "minute": 23}
